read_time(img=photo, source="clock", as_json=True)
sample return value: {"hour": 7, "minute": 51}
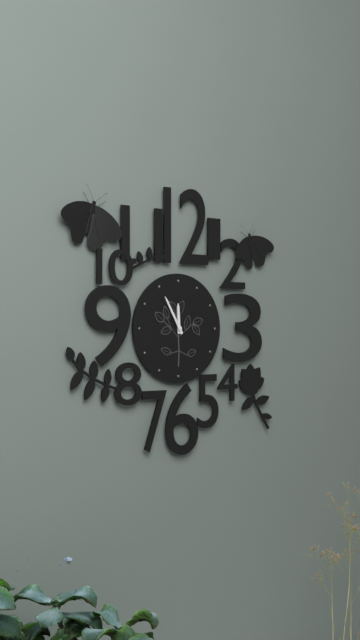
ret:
{"hour": 11, "minute": 55}
